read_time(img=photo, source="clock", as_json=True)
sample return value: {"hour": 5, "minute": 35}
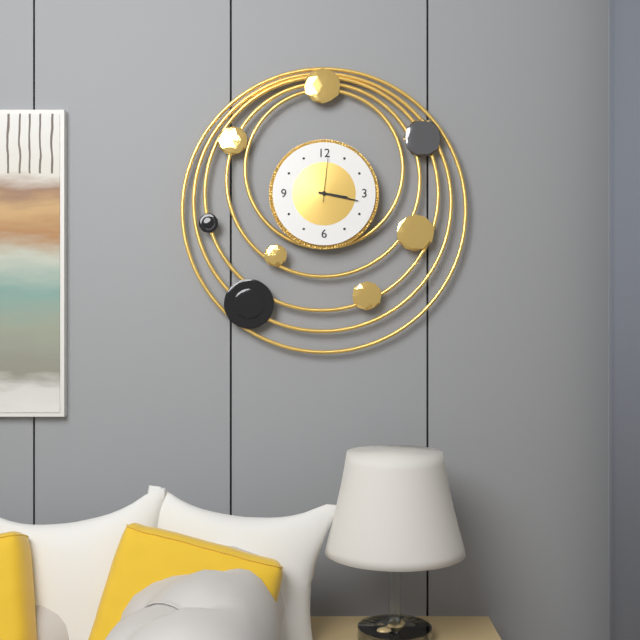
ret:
{"hour": 3, "minute": 17}
